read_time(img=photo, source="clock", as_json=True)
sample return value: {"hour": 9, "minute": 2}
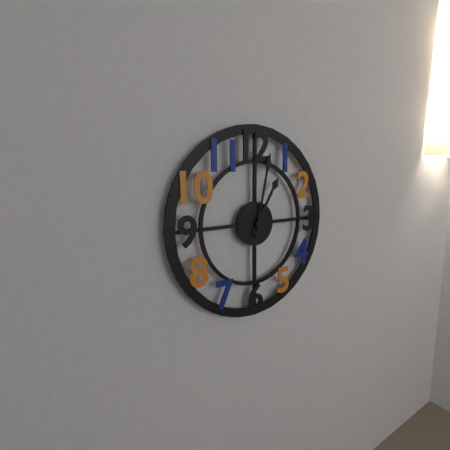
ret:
{"hour": 1, "minute": 2}
